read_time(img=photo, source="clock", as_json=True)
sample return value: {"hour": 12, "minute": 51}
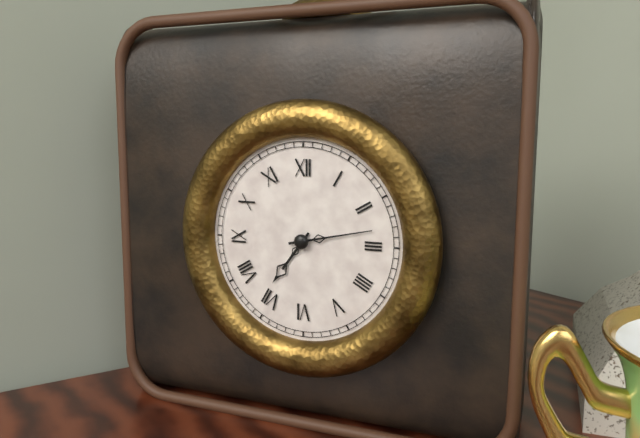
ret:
{"hour": 7, "minute": 13}
